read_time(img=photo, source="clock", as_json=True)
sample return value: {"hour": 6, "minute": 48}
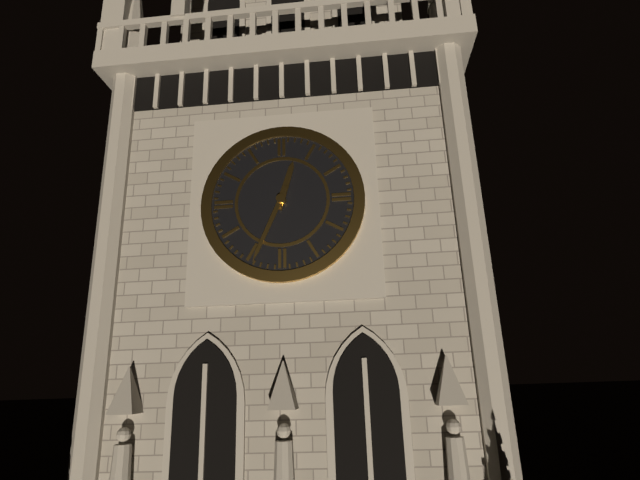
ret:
{"hour": 12, "minute": 34}
